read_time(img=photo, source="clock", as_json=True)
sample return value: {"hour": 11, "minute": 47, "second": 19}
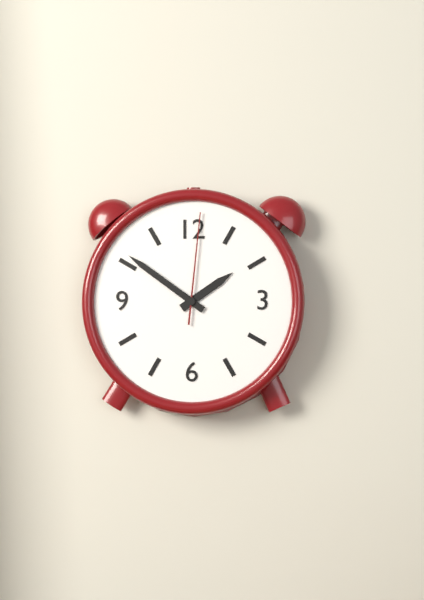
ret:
{"hour": 1, "minute": 51, "second": 1}
